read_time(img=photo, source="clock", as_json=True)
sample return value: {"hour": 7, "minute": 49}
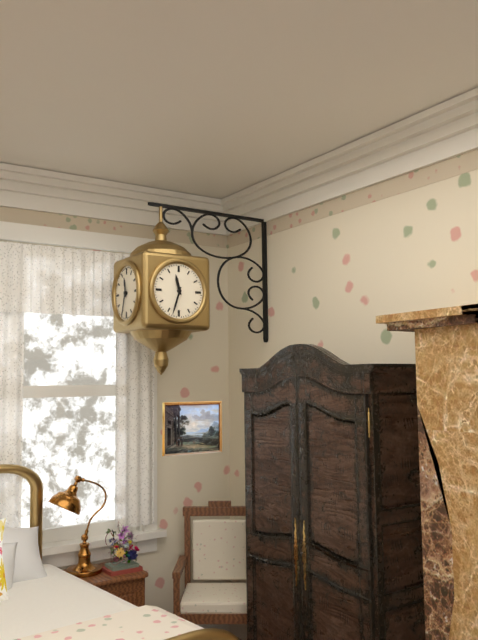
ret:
{"hour": 11, "minute": 33}
